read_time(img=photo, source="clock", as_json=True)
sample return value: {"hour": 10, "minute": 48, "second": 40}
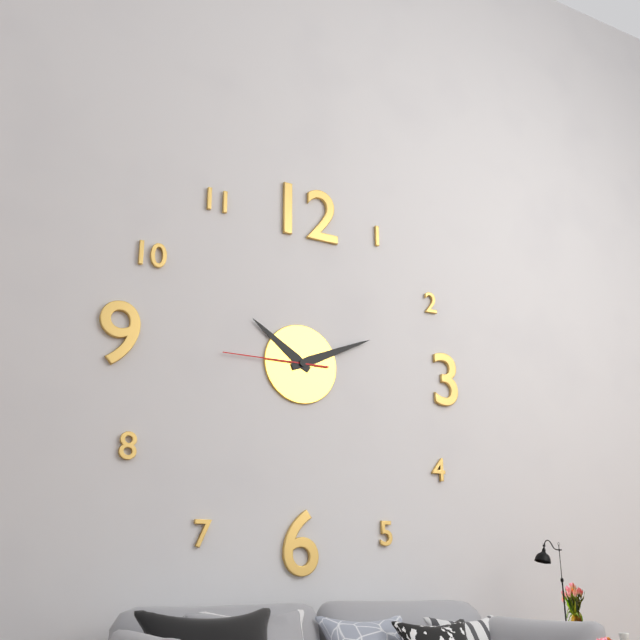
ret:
{"hour": 10, "minute": 11, "second": 45}
